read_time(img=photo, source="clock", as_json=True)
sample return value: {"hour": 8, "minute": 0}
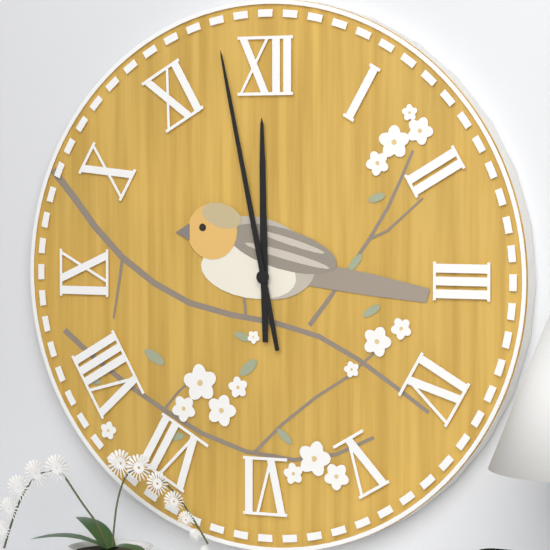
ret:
{"hour": 11, "minute": 58}
